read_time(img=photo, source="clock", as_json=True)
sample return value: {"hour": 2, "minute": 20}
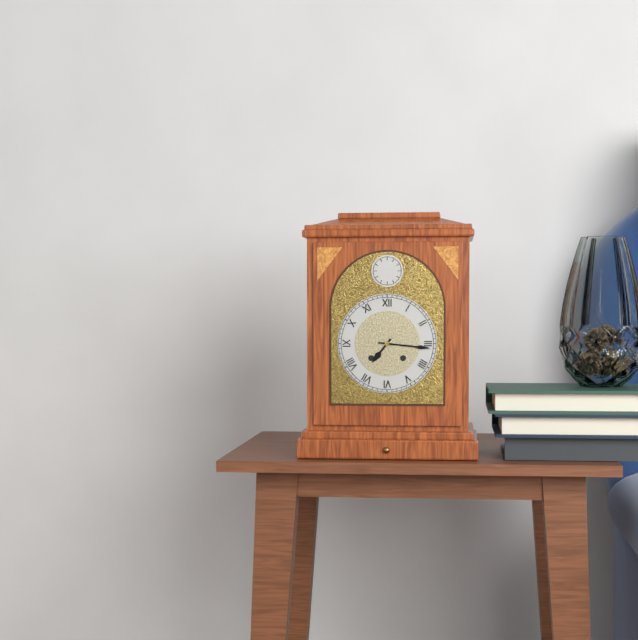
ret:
{"hour": 7, "minute": 16}
